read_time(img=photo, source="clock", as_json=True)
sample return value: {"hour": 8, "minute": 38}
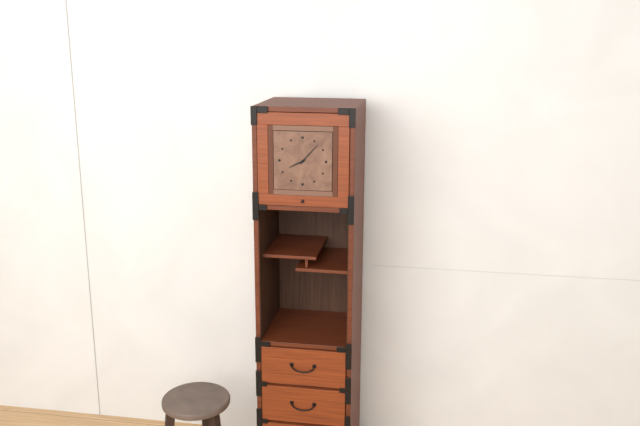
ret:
{"hour": 8, "minute": 7}
